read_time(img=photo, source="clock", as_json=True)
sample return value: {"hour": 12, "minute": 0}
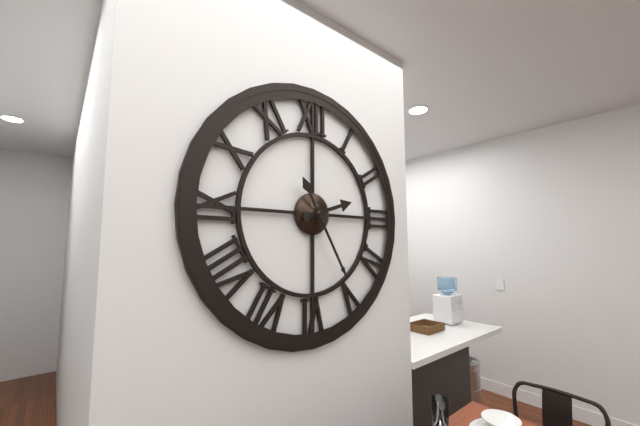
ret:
{"hour": 2, "minute": 25}
